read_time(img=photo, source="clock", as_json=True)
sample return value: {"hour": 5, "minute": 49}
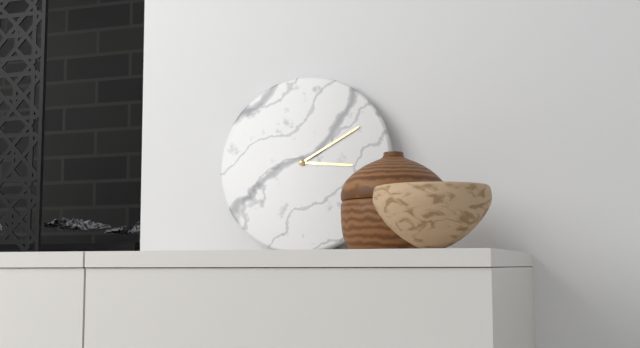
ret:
{"hour": 3, "minute": 10}
